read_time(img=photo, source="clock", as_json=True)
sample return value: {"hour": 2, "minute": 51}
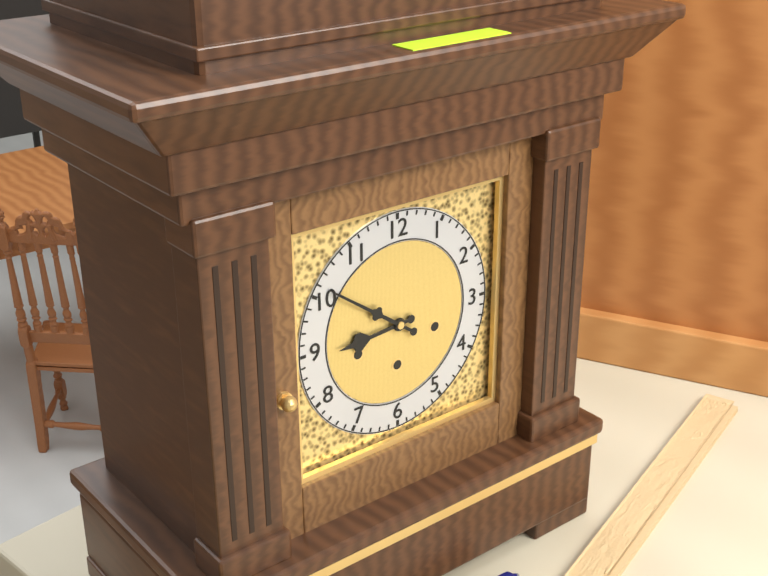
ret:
{"hour": 8, "minute": 51}
